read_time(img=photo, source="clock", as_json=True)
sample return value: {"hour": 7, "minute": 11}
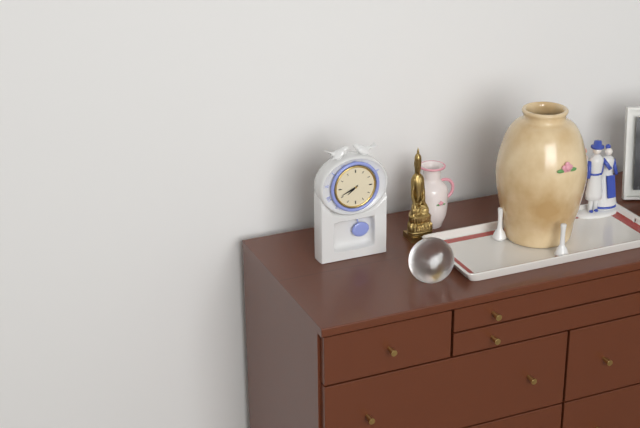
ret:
{"hour": 7, "minute": 41}
